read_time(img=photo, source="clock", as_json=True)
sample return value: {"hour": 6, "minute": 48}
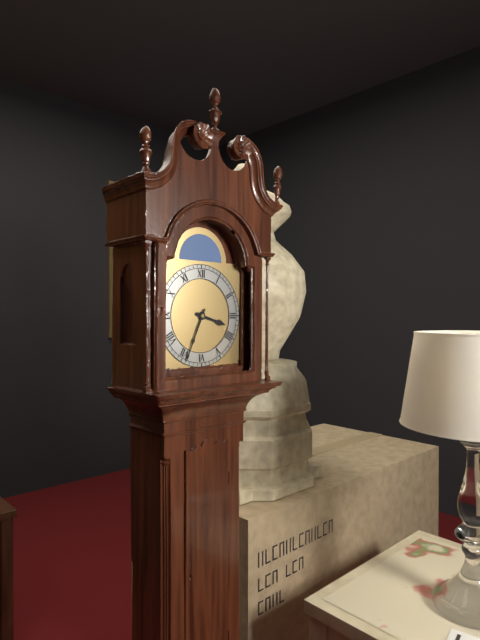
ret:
{"hour": 3, "minute": 34}
